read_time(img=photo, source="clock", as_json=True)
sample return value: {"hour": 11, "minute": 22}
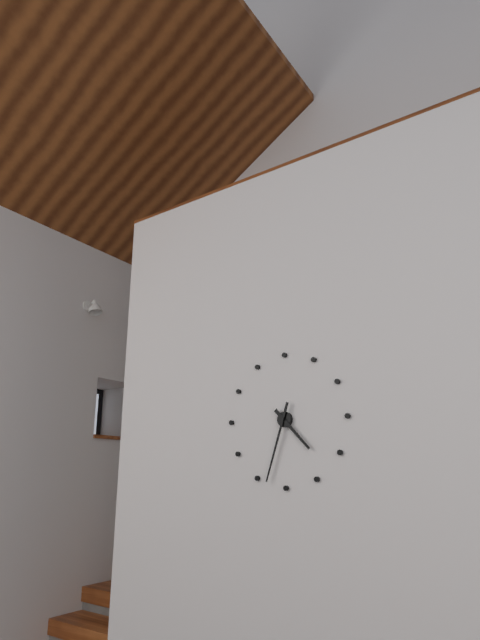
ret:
{"hour": 4, "minute": 33}
